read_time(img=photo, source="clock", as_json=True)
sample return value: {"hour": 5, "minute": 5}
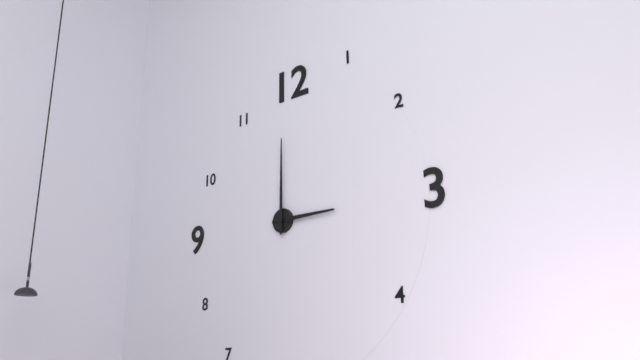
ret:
{"hour": 3, "minute": 0}
